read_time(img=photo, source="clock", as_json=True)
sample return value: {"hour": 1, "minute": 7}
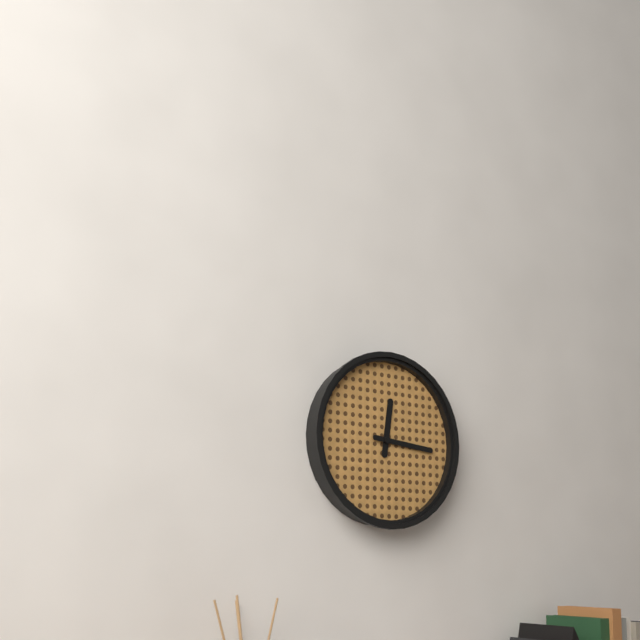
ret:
{"hour": 12, "minute": 16}
